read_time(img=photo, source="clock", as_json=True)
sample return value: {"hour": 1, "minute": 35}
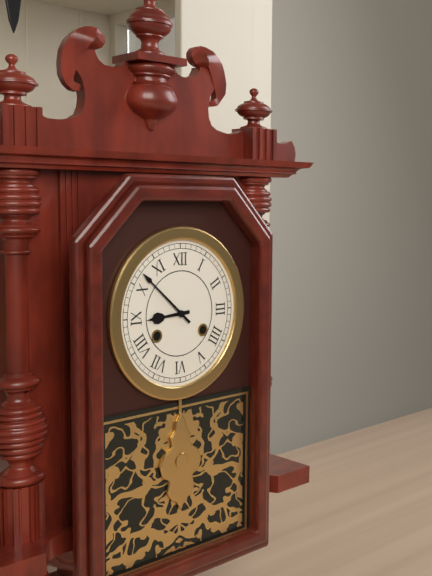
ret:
{"hour": 8, "minute": 52}
